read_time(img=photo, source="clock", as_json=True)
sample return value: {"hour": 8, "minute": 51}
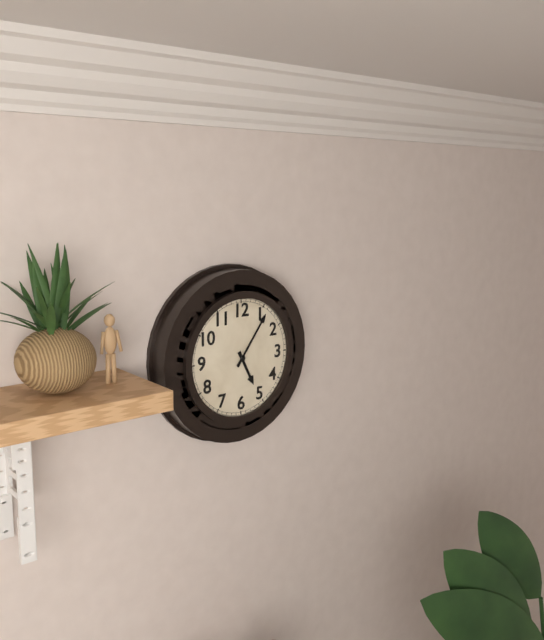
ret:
{"hour": 5, "minute": 6}
